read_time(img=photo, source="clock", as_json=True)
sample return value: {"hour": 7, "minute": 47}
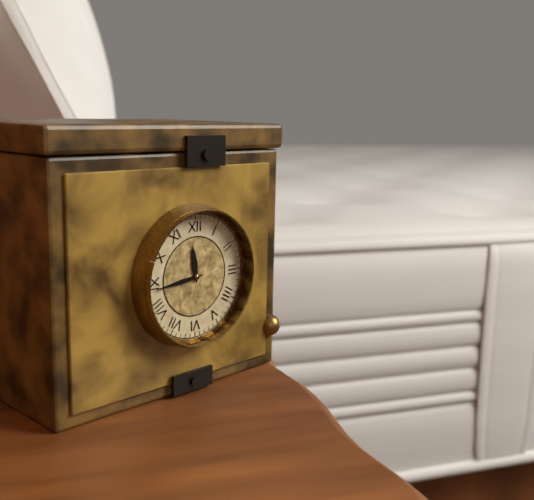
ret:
{"hour": 11, "minute": 44}
